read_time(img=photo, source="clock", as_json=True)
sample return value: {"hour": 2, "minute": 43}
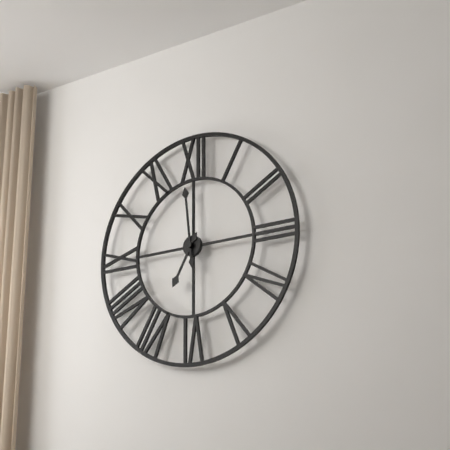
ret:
{"hour": 6, "minute": 59}
